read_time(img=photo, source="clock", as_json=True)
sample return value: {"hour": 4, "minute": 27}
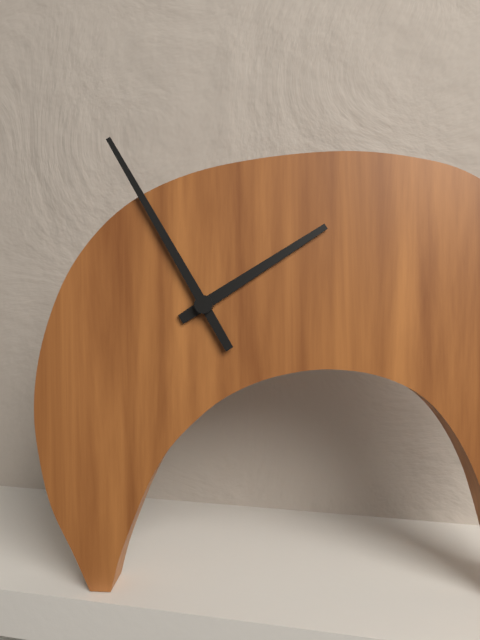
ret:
{"hour": 1, "minute": 55}
